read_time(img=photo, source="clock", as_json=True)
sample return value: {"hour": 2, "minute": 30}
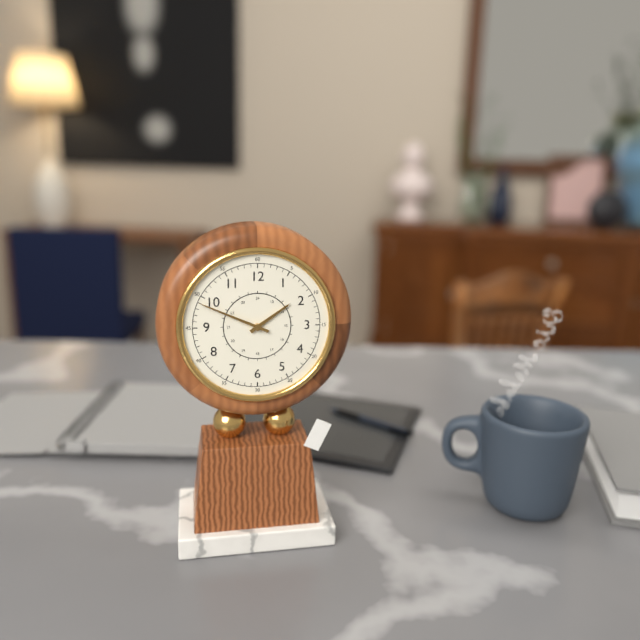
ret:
{"hour": 1, "minute": 49}
